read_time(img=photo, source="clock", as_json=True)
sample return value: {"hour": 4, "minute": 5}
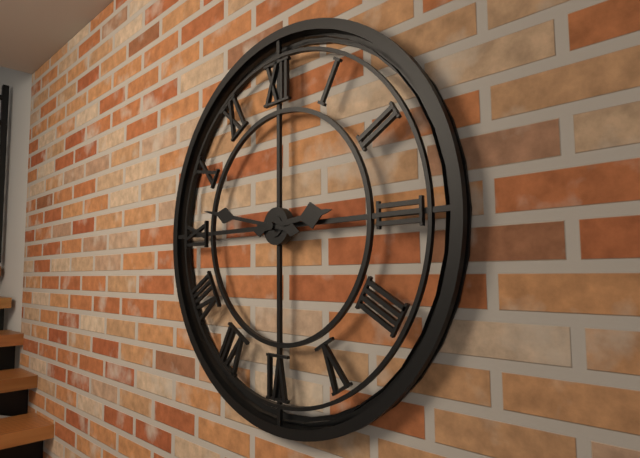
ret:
{"hour": 2, "minute": 47}
